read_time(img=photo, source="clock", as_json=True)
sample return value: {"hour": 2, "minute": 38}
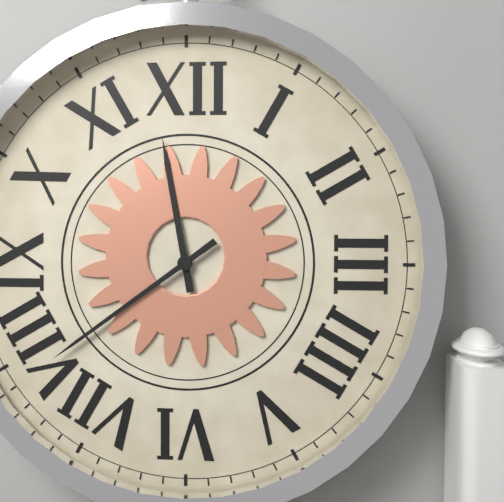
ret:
{"hour": 11, "minute": 39}
